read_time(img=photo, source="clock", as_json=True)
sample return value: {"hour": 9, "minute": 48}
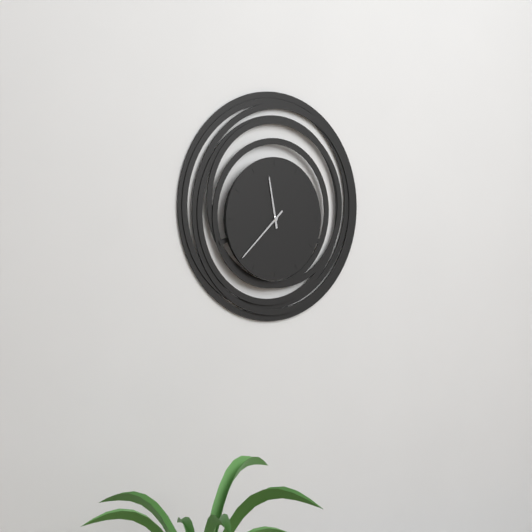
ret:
{"hour": 11, "minute": 38}
